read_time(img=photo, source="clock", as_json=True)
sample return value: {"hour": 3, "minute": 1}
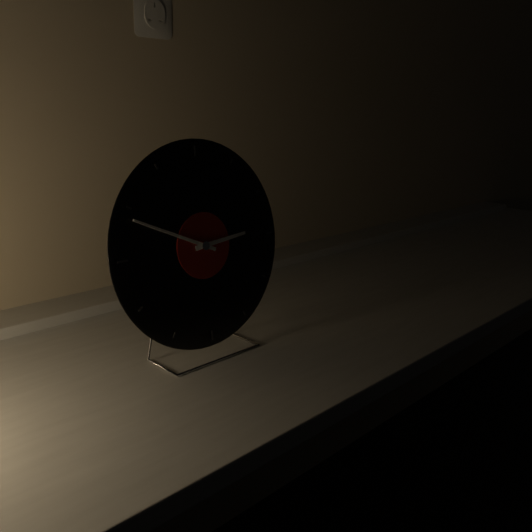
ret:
{"hour": 2, "minute": 49}
